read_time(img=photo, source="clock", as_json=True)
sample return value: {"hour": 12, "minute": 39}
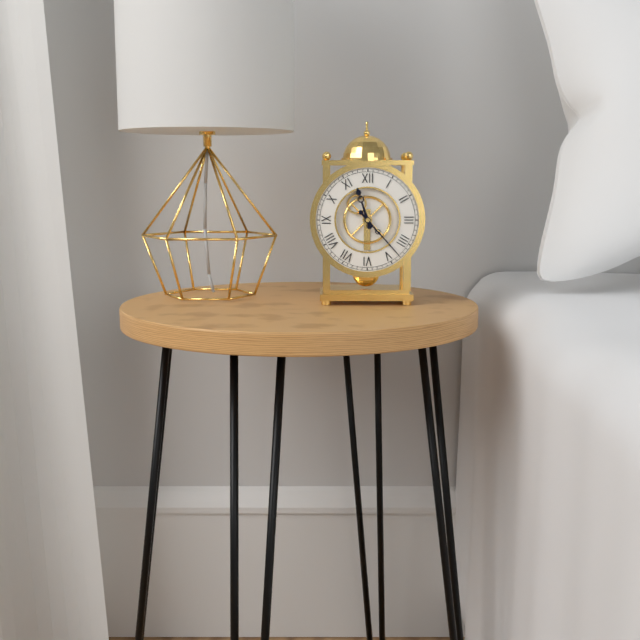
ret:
{"hour": 11, "minute": 23}
